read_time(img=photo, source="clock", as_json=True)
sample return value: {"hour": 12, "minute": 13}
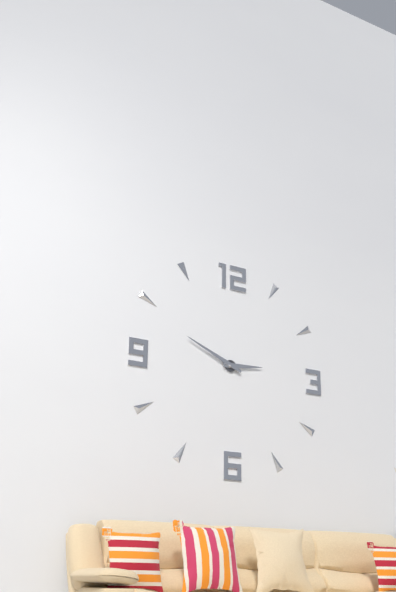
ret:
{"hour": 2, "minute": 49}
